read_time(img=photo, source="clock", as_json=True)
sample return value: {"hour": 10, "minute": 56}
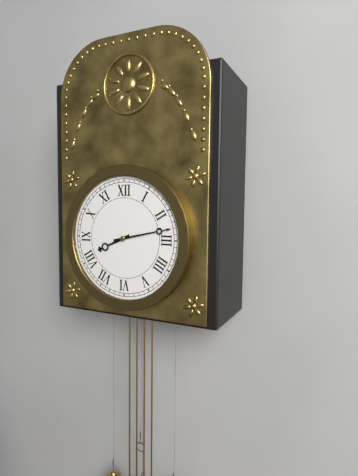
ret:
{"hour": 8, "minute": 13}
